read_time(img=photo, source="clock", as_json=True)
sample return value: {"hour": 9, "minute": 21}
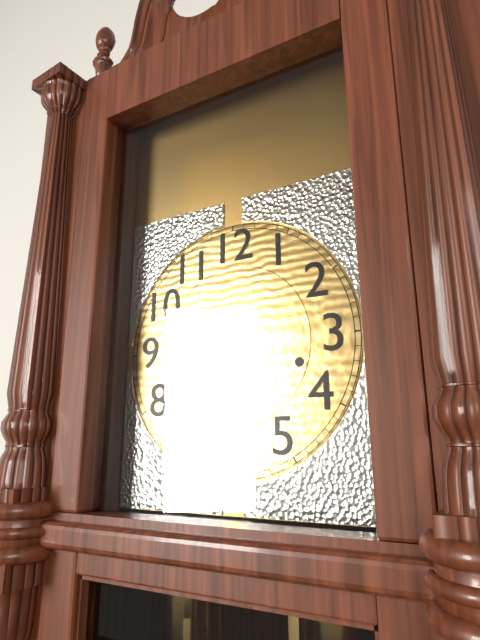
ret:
{"hour": 7, "minute": 35}
